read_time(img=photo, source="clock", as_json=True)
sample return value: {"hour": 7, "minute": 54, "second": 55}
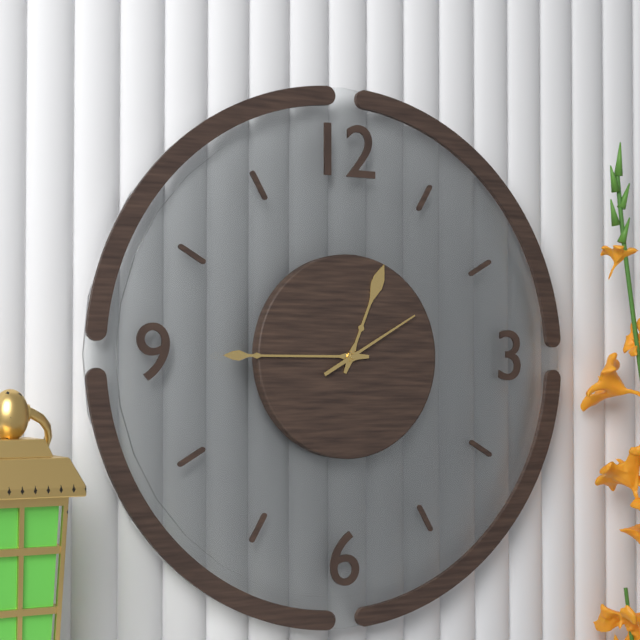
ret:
{"hour": 12, "minute": 45, "second": 10}
